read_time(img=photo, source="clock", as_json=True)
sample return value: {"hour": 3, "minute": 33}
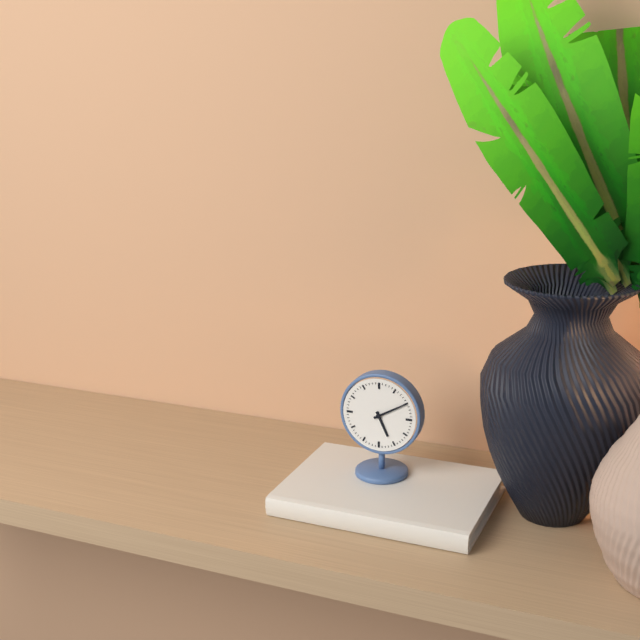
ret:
{"hour": 5, "minute": 10}
